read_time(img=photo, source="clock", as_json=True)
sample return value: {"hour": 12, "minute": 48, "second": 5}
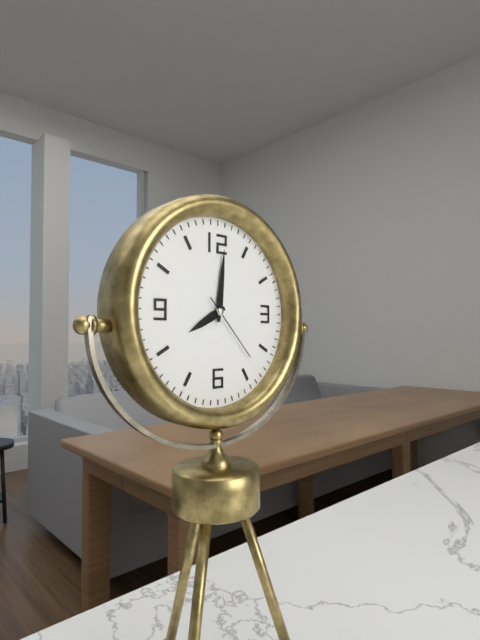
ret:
{"hour": 8, "minute": 1, "second": 23}
